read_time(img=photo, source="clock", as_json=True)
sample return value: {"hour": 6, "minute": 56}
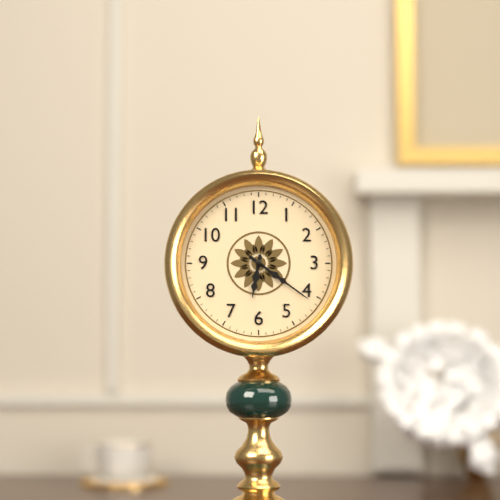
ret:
{"hour": 6, "minute": 21}
